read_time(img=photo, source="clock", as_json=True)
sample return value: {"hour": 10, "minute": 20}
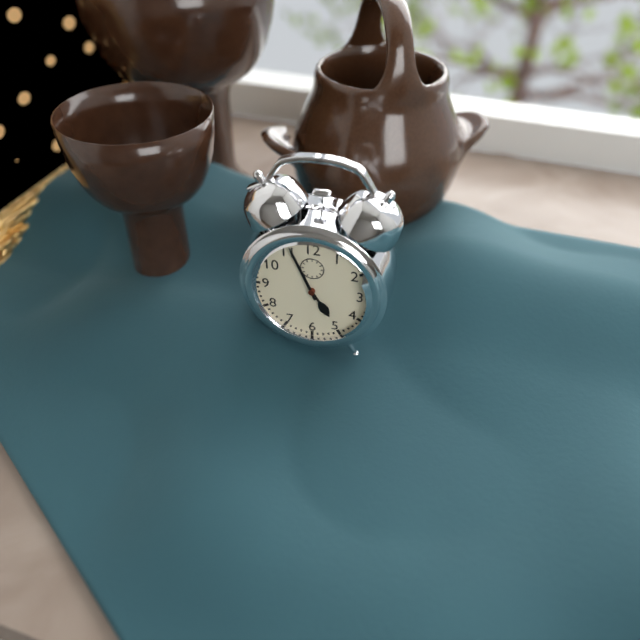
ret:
{"hour": 4, "minute": 56}
